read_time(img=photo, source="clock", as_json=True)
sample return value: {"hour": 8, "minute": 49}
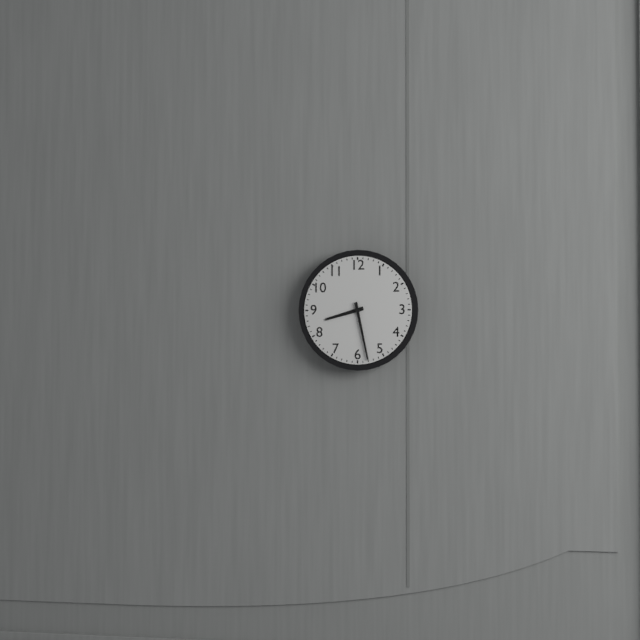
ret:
{"hour": 8, "minute": 28}
